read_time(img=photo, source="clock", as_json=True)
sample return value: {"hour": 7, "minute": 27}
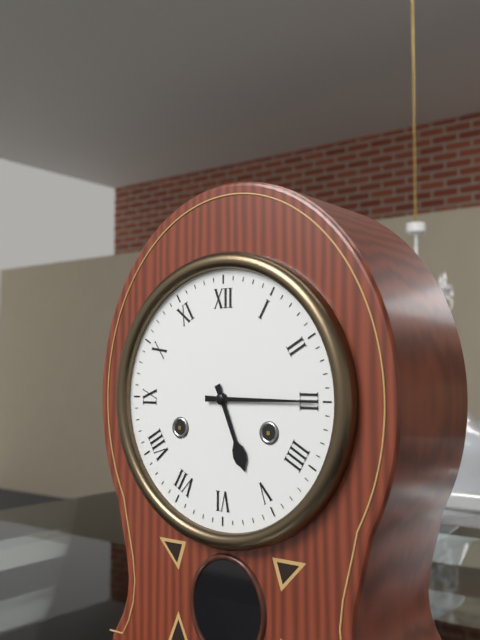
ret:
{"hour": 5, "minute": 15}
